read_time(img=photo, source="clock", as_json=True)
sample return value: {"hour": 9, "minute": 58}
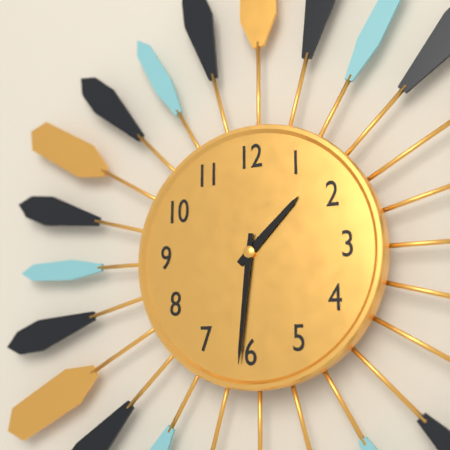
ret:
{"hour": 1, "minute": 31}
